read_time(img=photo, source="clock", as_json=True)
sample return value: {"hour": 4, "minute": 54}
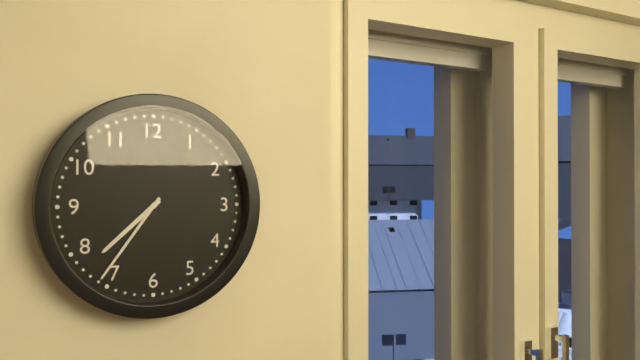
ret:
{"hour": 7, "minute": 36}
